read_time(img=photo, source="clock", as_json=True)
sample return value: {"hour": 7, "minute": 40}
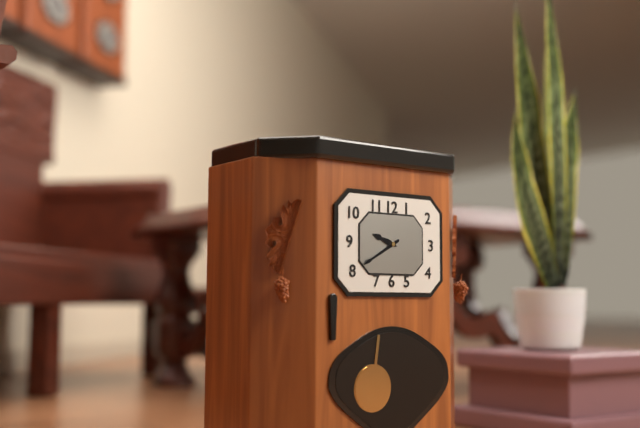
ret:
{"hour": 9, "minute": 40}
